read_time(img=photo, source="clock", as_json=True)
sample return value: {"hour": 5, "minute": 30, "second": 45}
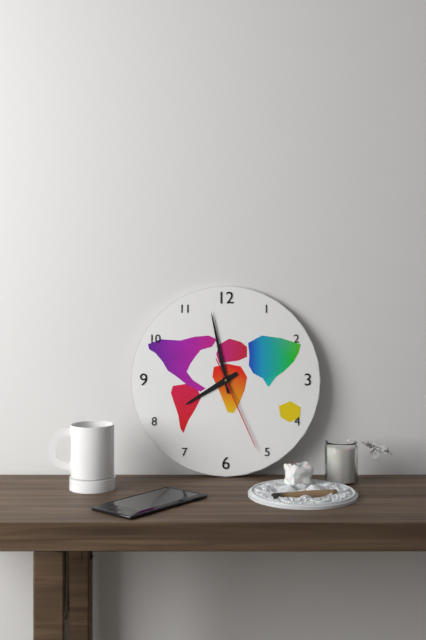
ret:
{"hour": 7, "minute": 58, "second": 26}
